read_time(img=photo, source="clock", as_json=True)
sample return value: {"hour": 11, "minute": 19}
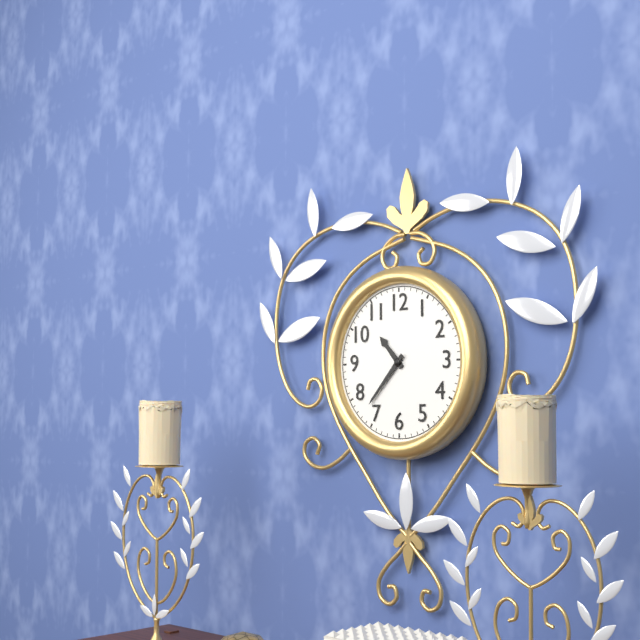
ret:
{"hour": 10, "minute": 37}
